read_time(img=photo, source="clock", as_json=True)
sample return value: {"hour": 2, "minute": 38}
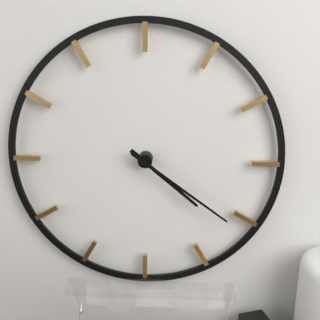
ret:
{"hour": 4, "minute": 21}
